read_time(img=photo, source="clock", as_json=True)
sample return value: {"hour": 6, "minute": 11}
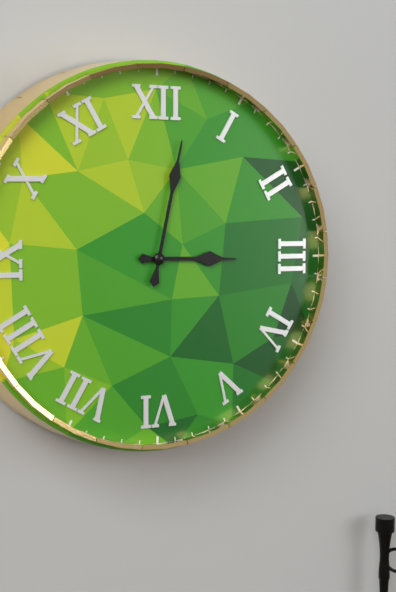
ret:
{"hour": 3, "minute": 2}
